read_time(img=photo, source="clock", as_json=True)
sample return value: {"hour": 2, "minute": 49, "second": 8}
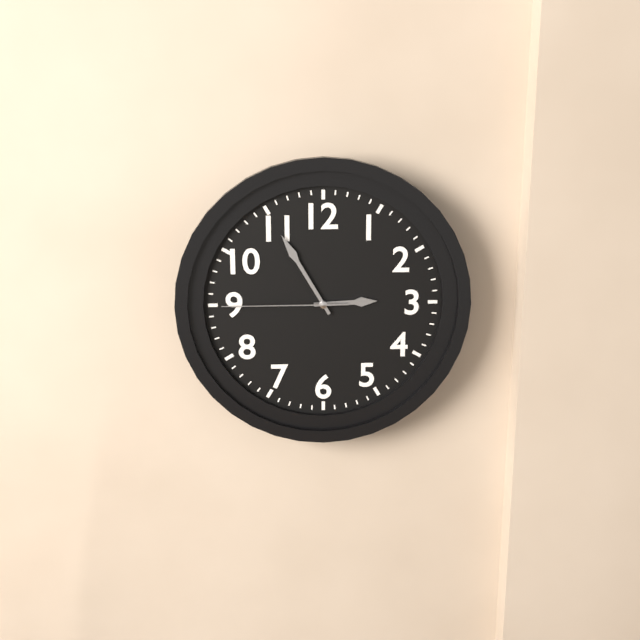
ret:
{"hour": 2, "minute": 55, "second": 45}
